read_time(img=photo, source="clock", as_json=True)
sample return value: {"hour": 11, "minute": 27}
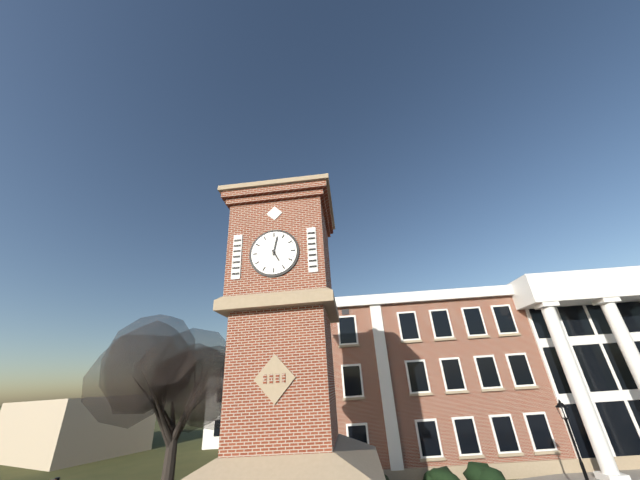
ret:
{"hour": 5, "minute": 2}
